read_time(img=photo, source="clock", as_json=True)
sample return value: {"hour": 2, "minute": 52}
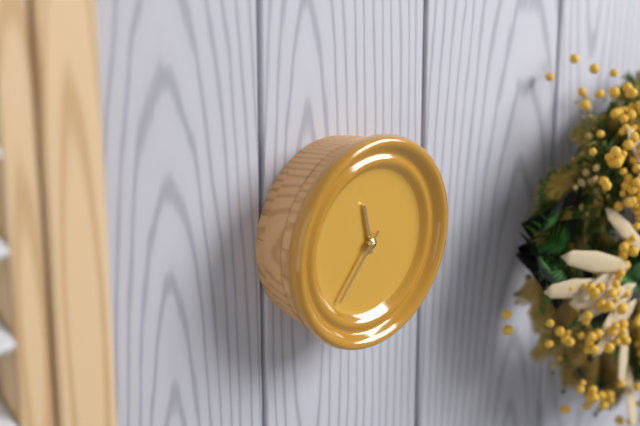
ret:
{"hour": 11, "minute": 37}
